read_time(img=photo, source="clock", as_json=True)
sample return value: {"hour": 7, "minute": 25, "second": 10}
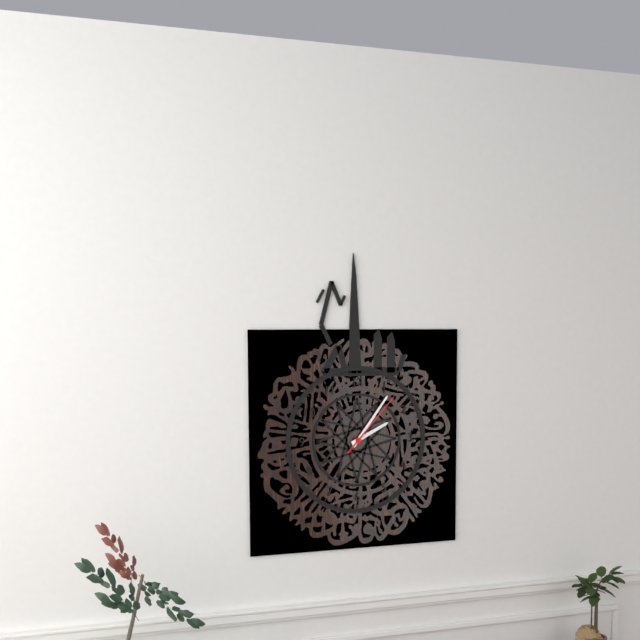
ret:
{"hour": 2, "minute": 6, "second": 7}
